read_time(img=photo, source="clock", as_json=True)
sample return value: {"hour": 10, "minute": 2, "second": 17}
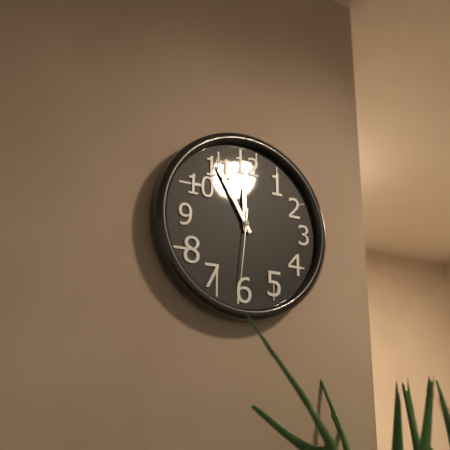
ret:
{"hour": 11, "minute": 55, "second": 31}
